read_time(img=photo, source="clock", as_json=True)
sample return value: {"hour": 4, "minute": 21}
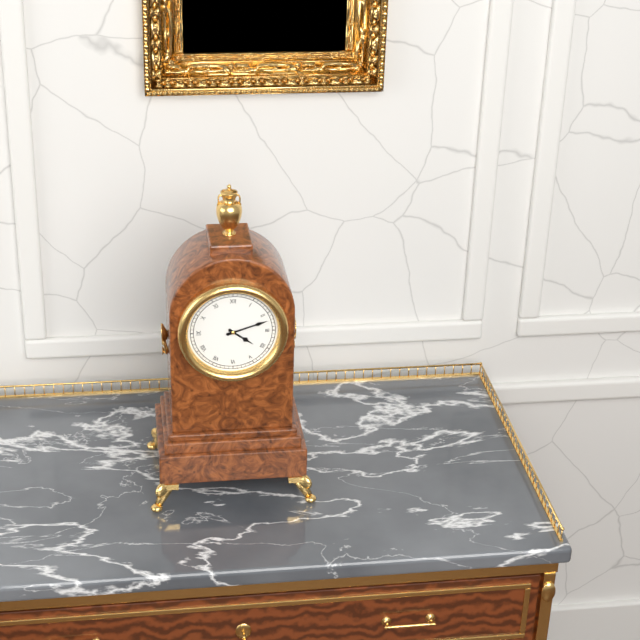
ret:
{"hour": 4, "minute": 12}
